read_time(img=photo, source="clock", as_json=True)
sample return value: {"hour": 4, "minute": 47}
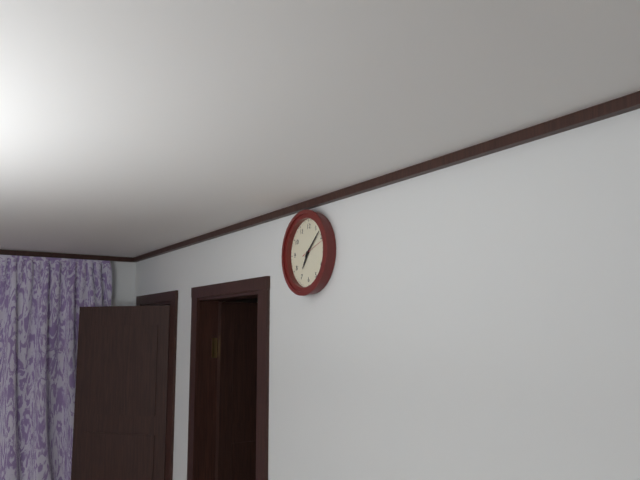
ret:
{"hour": 7, "minute": 8}
